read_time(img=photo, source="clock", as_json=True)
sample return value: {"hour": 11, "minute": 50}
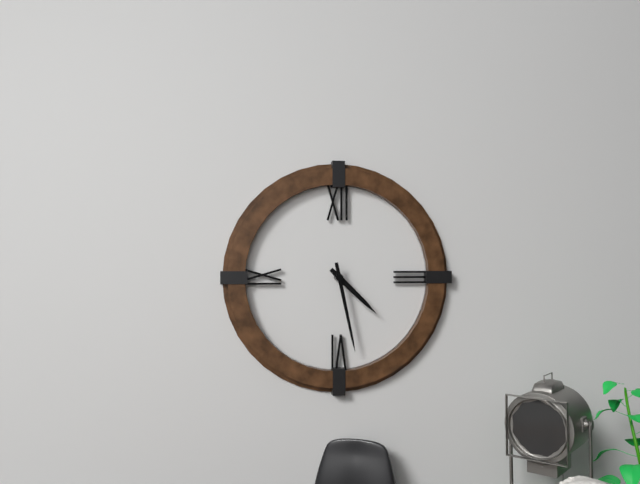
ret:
{"hour": 4, "minute": 28}
